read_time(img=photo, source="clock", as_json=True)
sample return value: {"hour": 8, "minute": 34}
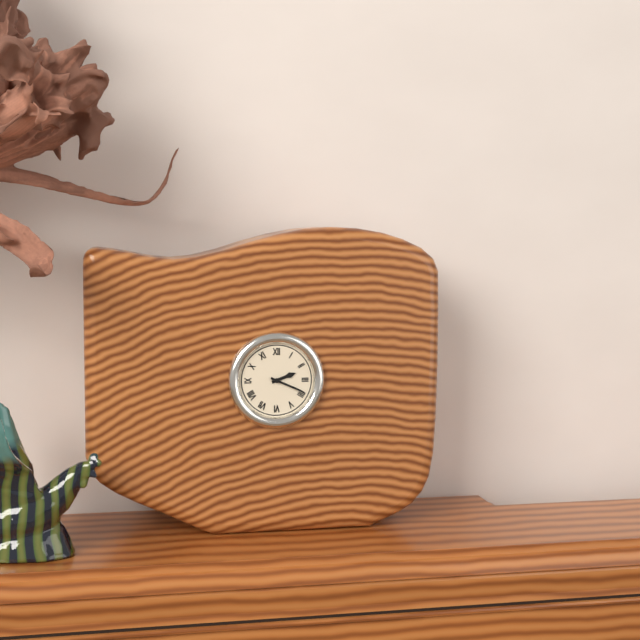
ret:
{"hour": 2, "minute": 19}
